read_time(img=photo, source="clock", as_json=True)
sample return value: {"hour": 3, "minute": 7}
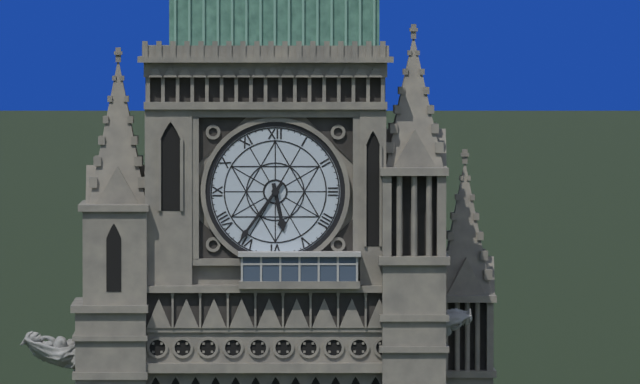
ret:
{"hour": 5, "minute": 36}
